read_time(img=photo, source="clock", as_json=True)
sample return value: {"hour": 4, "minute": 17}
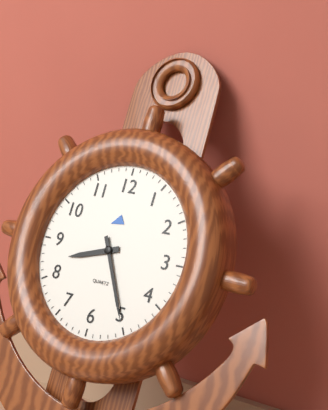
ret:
{"hour": 8, "minute": 25}
